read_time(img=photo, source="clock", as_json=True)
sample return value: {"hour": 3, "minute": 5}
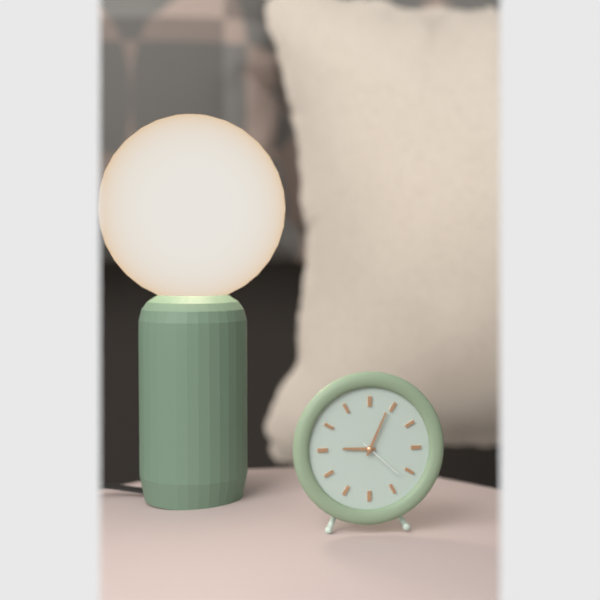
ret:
{"hour": 9, "minute": 4}
